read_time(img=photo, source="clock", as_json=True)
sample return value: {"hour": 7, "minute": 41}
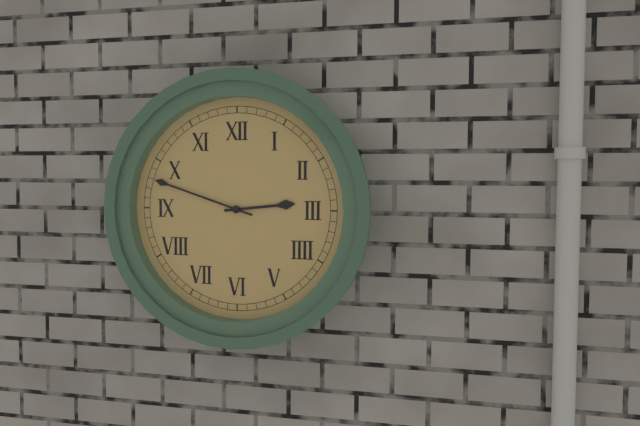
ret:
{"hour": 2, "minute": 48}
